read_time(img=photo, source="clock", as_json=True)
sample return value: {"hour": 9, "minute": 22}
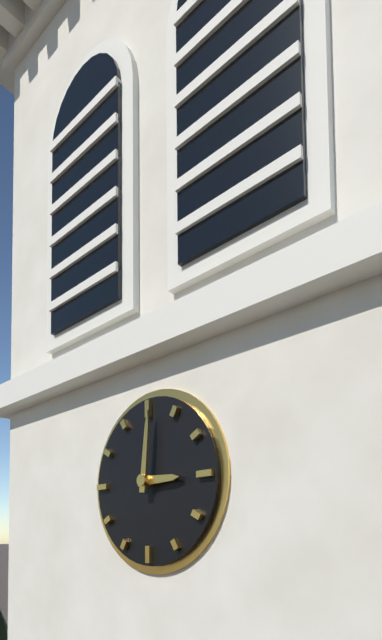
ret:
{"hour": 3, "minute": 1}
